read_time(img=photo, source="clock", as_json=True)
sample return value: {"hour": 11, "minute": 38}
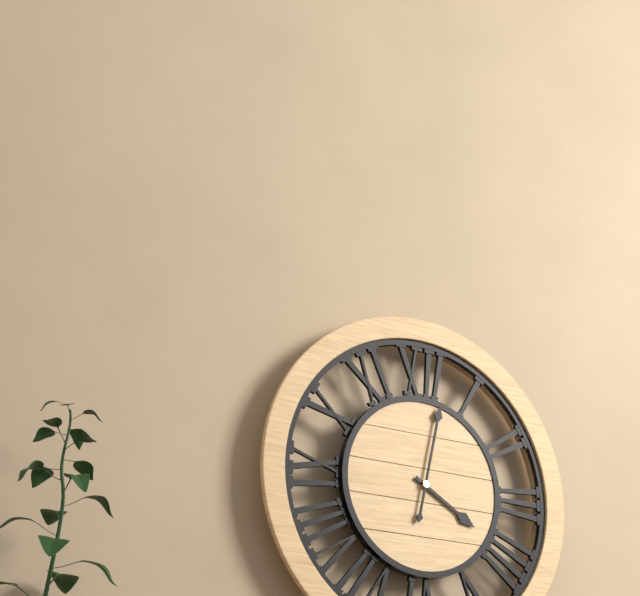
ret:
{"hour": 4, "minute": 2}
